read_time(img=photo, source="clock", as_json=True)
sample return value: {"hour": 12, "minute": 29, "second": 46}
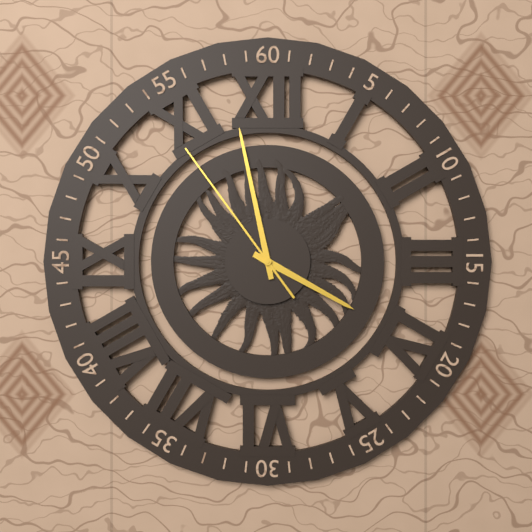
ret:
{"hour": 3, "minute": 58, "second": 54}
